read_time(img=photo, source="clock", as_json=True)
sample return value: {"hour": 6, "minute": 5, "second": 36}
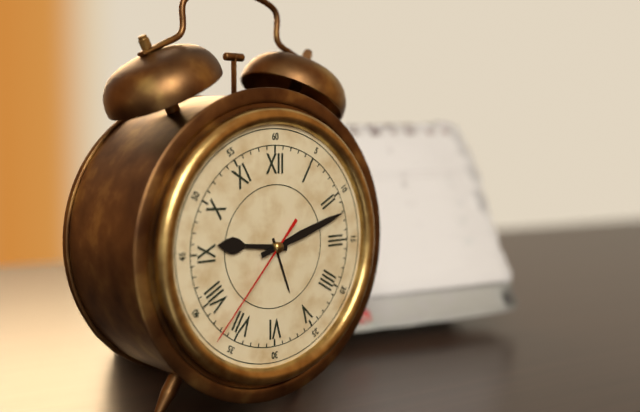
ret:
{"hour": 9, "minute": 12, "second": 37}
